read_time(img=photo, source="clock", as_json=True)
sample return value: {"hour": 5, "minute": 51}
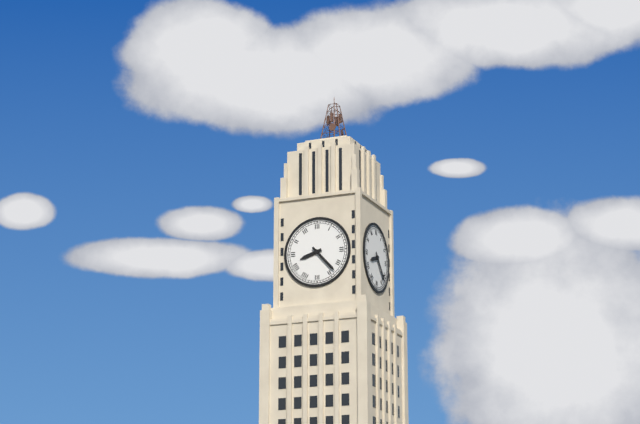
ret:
{"hour": 8, "minute": 23}
